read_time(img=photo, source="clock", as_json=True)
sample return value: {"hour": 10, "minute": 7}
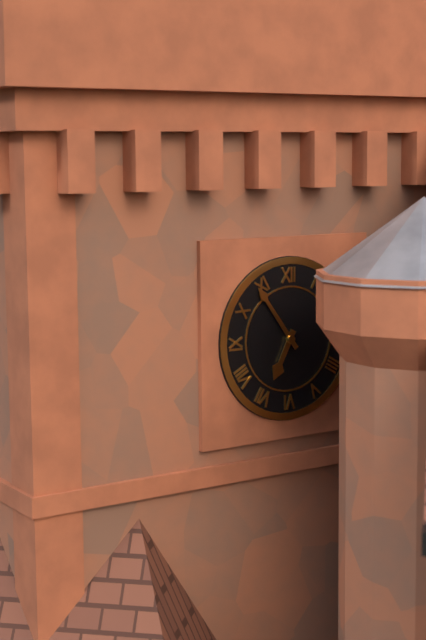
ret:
{"hour": 6, "minute": 54}
